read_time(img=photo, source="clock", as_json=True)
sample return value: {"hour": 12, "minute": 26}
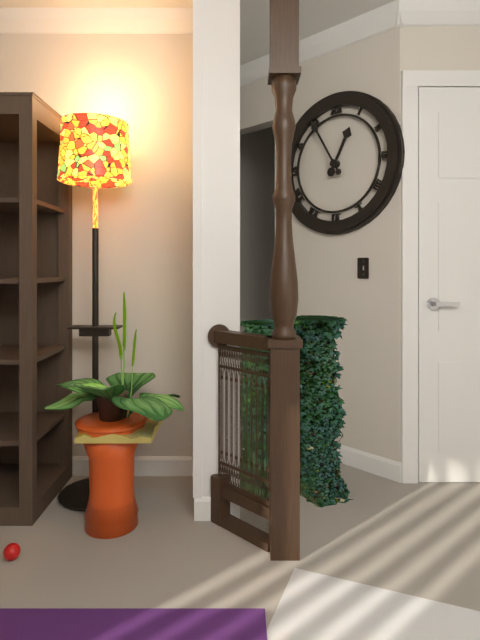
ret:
{"hour": 12, "minute": 55}
